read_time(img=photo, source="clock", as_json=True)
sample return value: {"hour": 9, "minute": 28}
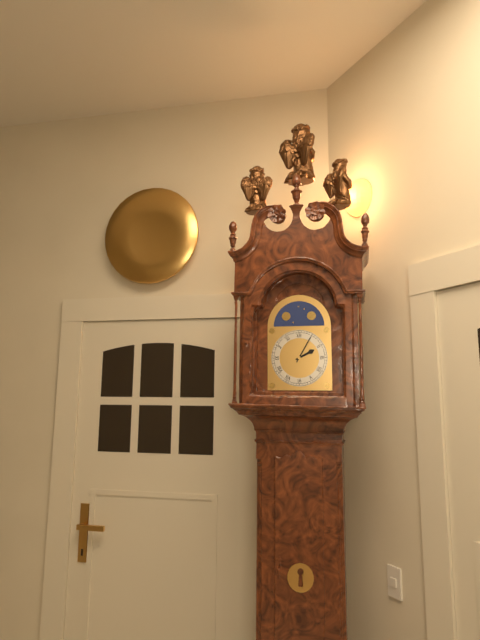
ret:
{"hour": 2, "minute": 5}
